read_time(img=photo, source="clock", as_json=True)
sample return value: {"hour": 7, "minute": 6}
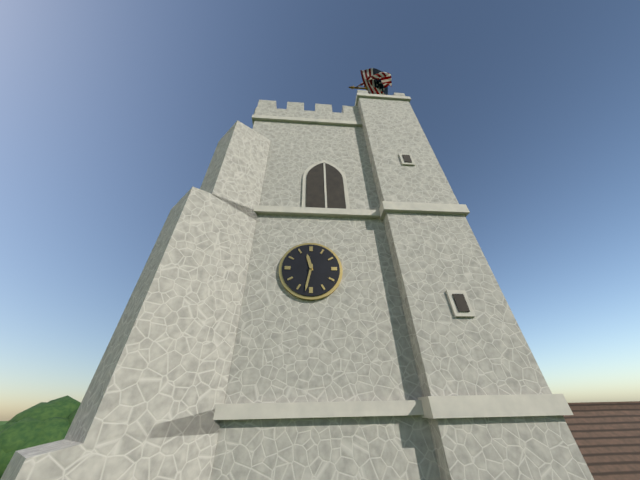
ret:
{"hour": 11, "minute": 32}
